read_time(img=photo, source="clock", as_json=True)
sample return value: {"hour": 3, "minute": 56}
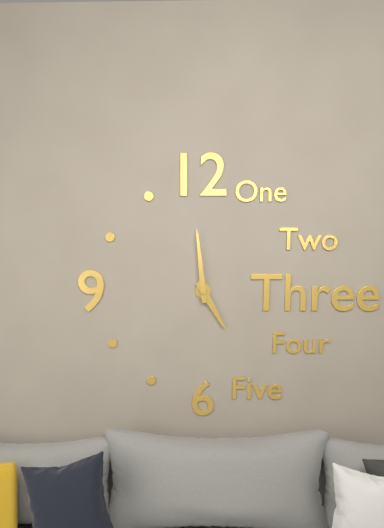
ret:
{"hour": 4, "minute": 59}
